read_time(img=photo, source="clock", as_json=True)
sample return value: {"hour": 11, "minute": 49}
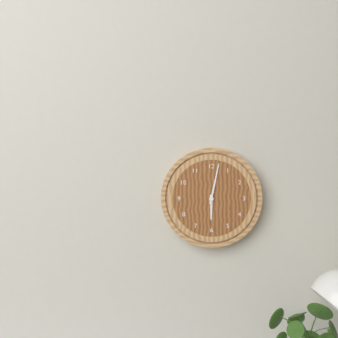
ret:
{"hour": 6, "minute": 2}
